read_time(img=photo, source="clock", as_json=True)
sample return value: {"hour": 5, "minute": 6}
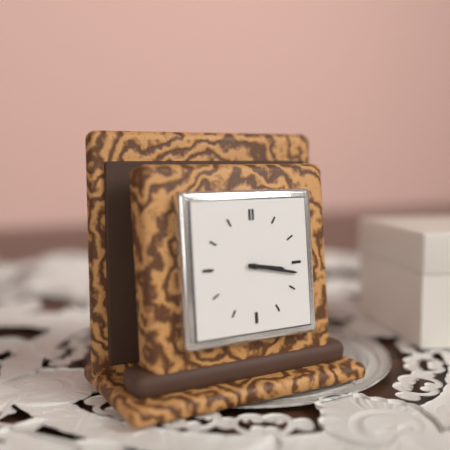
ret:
{"hour": 3, "minute": 17}
